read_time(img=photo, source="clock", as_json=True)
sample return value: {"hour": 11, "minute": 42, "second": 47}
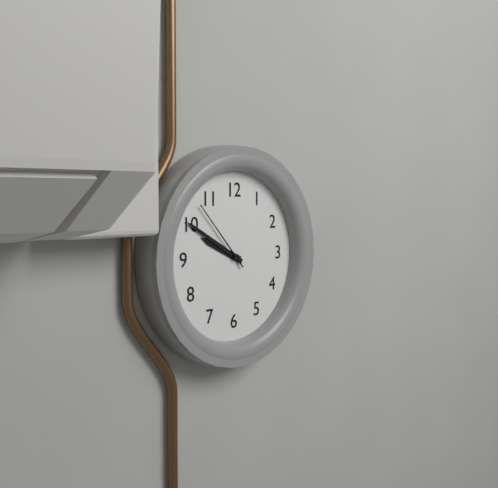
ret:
{"hour": 9, "minute": 50, "second": 53}
